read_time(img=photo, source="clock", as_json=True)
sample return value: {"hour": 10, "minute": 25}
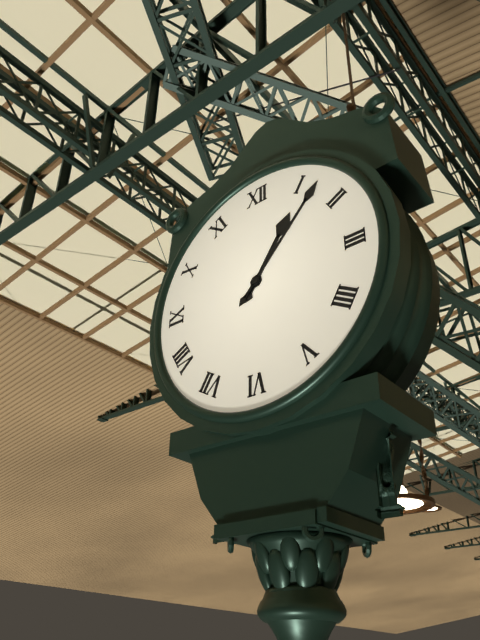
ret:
{"hour": 1, "minute": 7}
